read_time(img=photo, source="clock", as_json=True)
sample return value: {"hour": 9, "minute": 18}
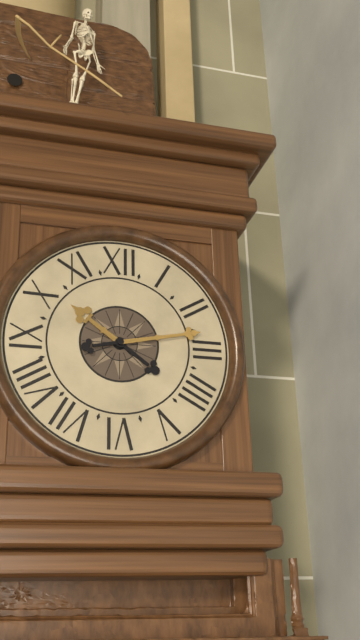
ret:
{"hour": 10, "minute": 13}
